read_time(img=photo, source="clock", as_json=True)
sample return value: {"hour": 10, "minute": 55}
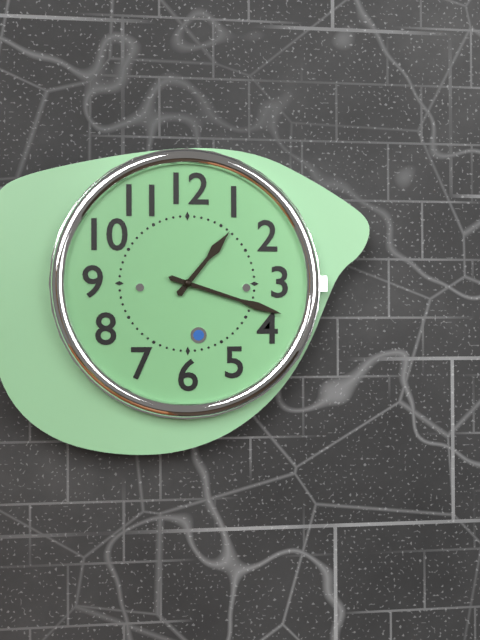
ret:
{"hour": 1, "minute": 18}
